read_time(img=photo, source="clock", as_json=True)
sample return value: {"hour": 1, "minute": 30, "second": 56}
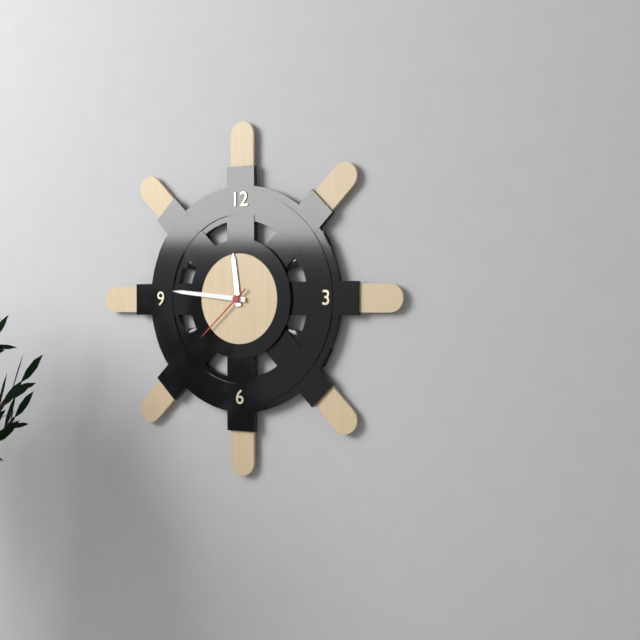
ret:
{"hour": 11, "minute": 46, "second": 38}
